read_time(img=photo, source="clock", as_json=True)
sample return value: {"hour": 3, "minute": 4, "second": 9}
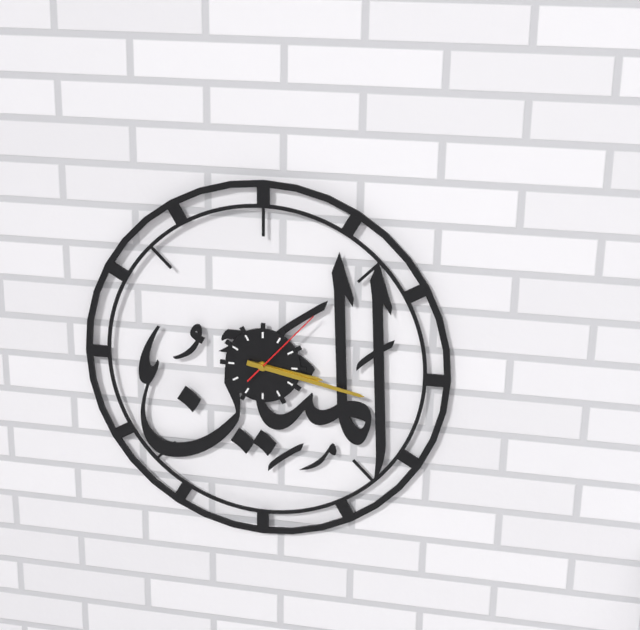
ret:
{"hour": 3, "minute": 17, "second": 7}
